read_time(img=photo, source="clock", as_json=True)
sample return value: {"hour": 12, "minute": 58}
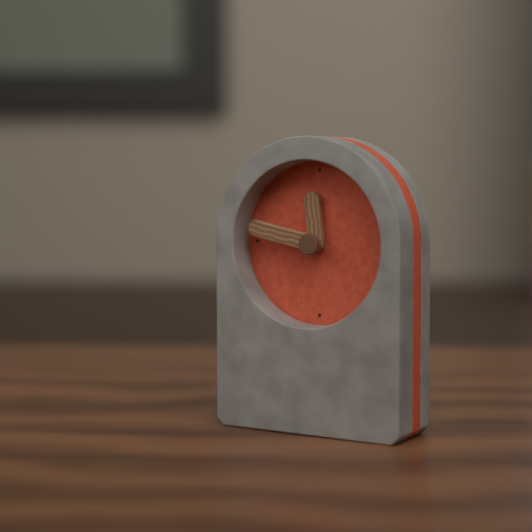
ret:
{"hour": 11, "minute": 47}
